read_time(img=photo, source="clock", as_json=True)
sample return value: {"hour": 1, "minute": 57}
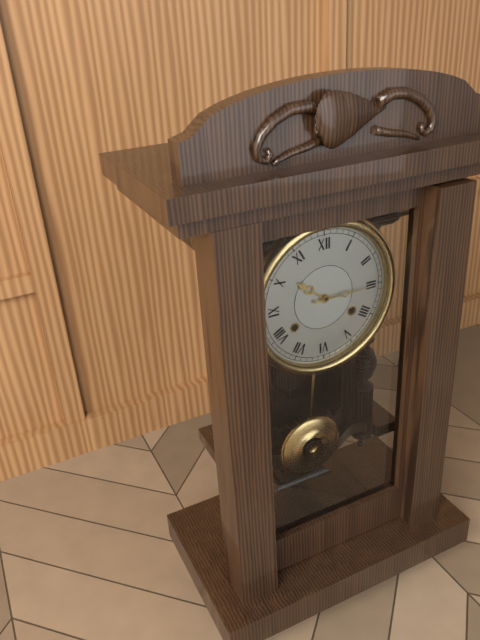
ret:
{"hour": 10, "minute": 15}
